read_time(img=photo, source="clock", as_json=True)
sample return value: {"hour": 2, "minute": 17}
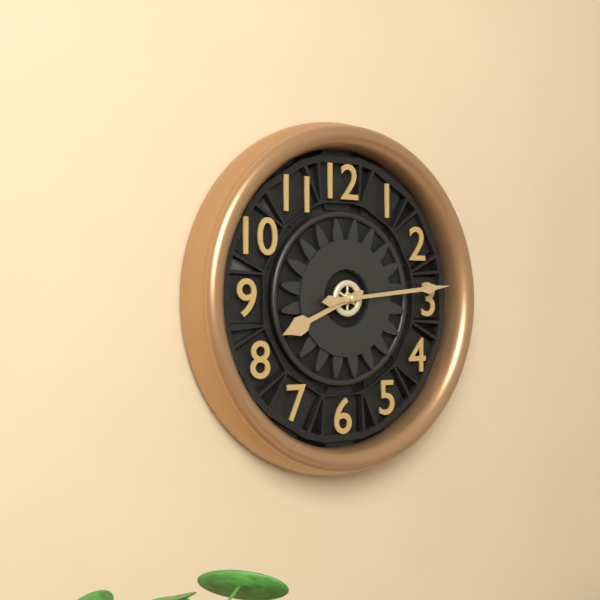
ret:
{"hour": 8, "minute": 14}
